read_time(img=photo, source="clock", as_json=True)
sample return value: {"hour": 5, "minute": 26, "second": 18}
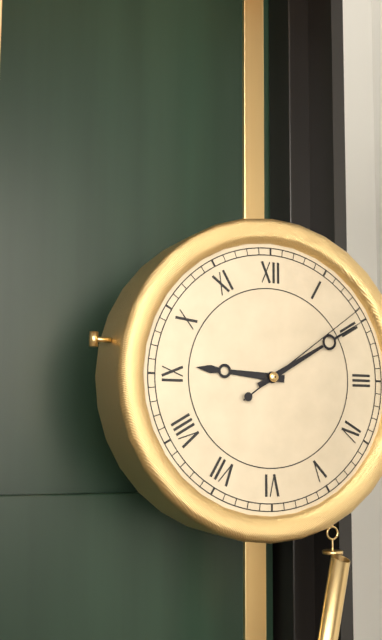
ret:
{"hour": 9, "minute": 10, "second": 9}
